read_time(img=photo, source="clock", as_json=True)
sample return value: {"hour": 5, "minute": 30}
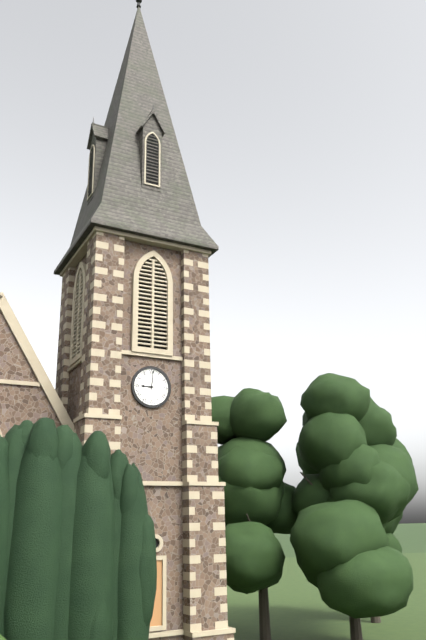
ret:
{"hour": 9, "minute": 1}
